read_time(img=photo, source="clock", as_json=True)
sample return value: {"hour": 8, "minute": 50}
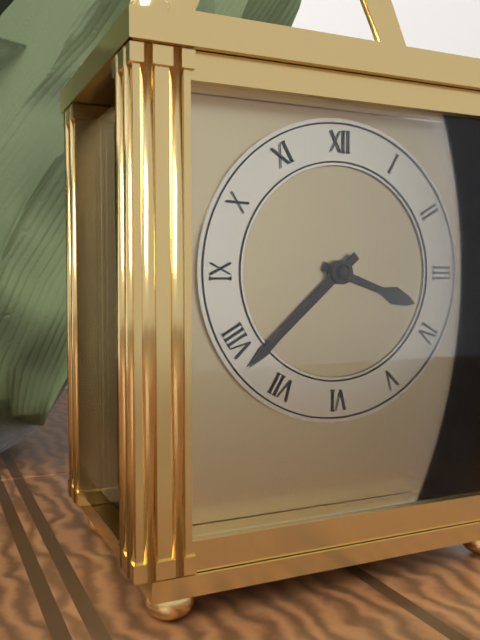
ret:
{"hour": 3, "minute": 38}
